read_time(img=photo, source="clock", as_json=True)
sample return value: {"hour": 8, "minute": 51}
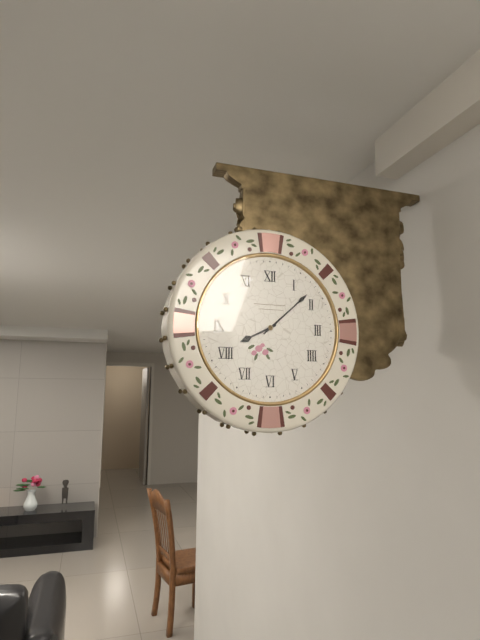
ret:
{"hour": 8, "minute": 8}
